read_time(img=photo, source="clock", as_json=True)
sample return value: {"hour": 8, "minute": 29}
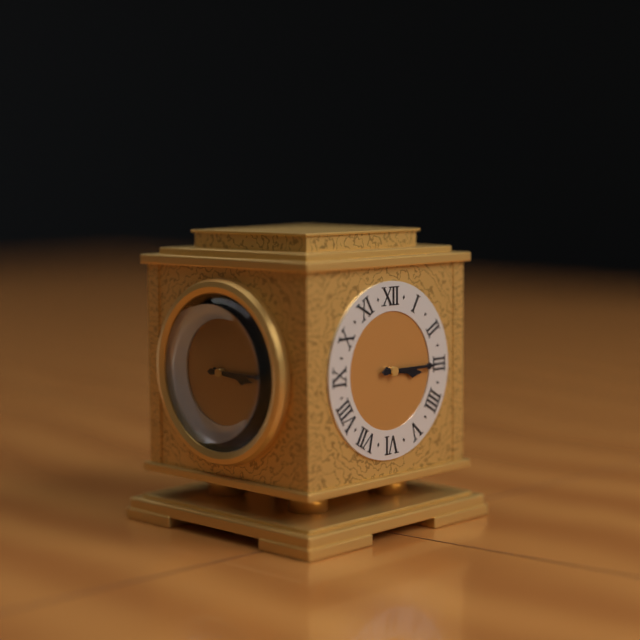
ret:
{"hour": 3, "minute": 15}
